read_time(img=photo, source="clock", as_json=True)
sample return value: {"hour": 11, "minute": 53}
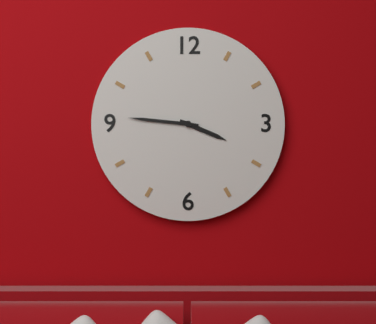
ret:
{"hour": 3, "minute": 46}
